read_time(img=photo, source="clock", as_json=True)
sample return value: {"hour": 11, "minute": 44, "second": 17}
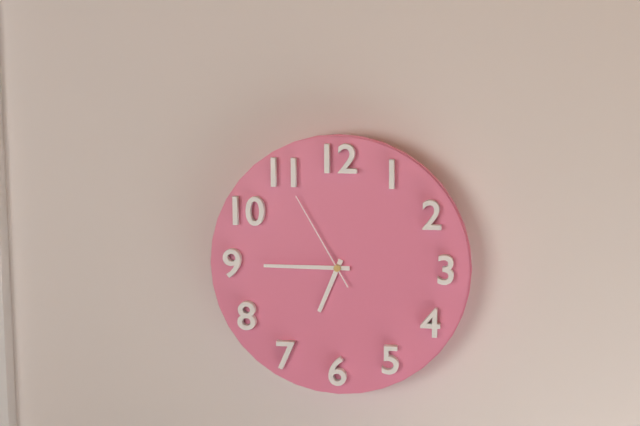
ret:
{"hour": 6, "minute": 45, "second": 55}
